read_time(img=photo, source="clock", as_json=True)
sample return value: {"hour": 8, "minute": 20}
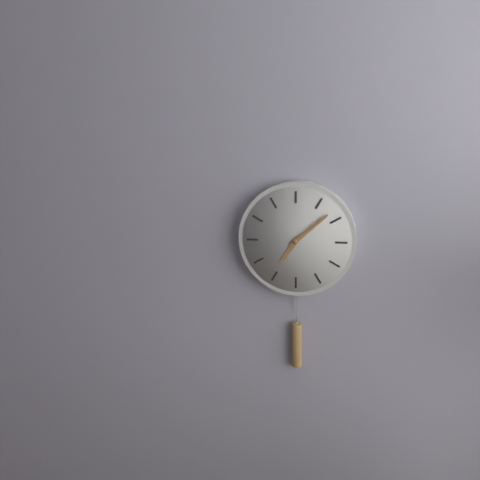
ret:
{"hour": 7, "minute": 8}
